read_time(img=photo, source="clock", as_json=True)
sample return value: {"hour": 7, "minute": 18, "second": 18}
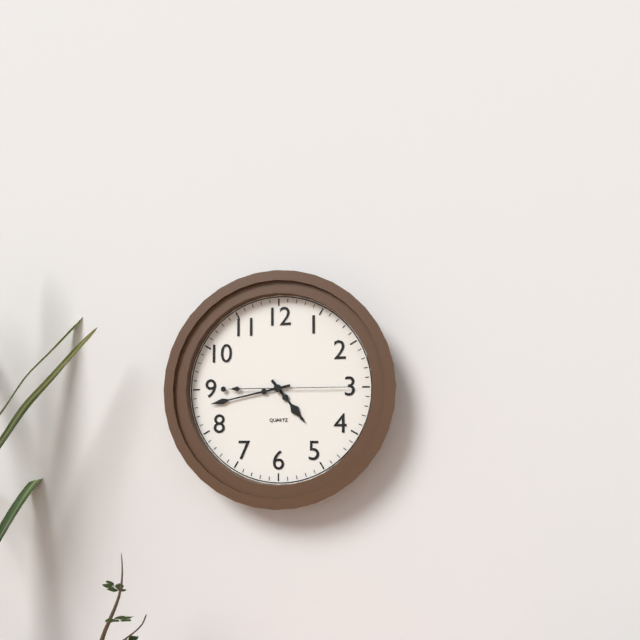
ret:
{"hour": 4, "minute": 43, "second": 15}
